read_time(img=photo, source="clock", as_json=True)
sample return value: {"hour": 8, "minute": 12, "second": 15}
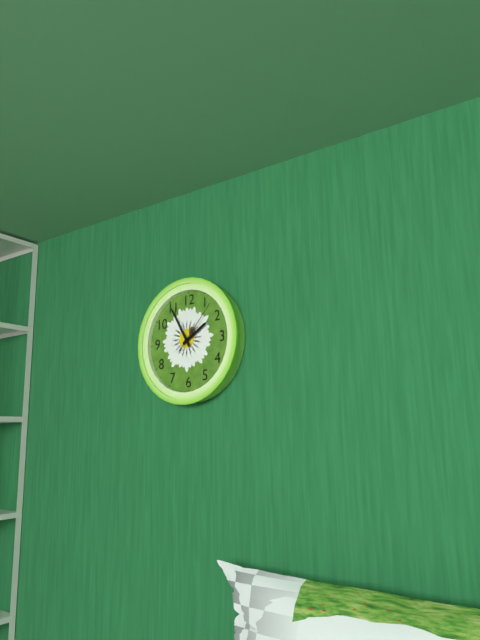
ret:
{"hour": 1, "minute": 55, "second": 7}
